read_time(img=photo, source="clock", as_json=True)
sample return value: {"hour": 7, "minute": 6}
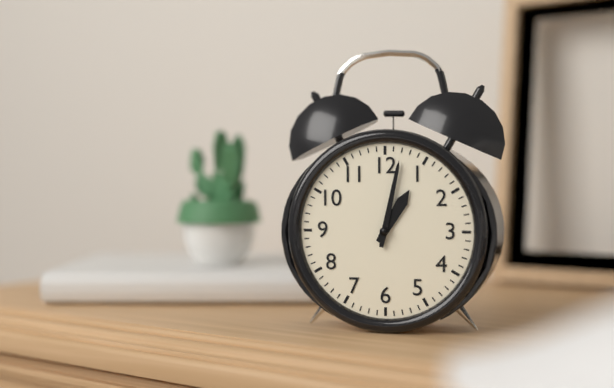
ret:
{"hour": 1, "minute": 2}
